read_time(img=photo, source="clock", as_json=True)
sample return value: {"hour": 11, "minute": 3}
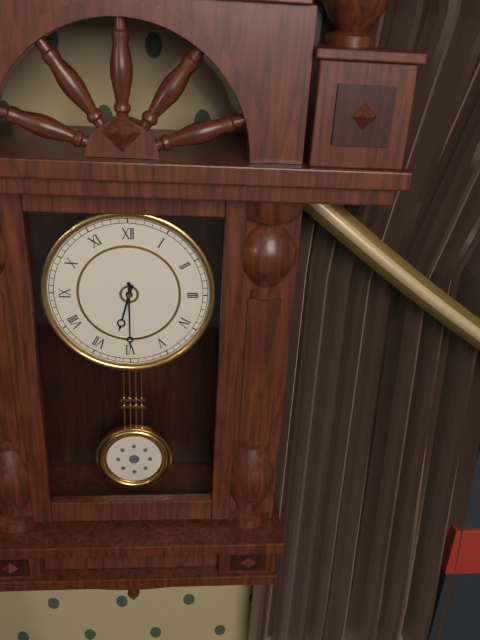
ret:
{"hour": 6, "minute": 30}
